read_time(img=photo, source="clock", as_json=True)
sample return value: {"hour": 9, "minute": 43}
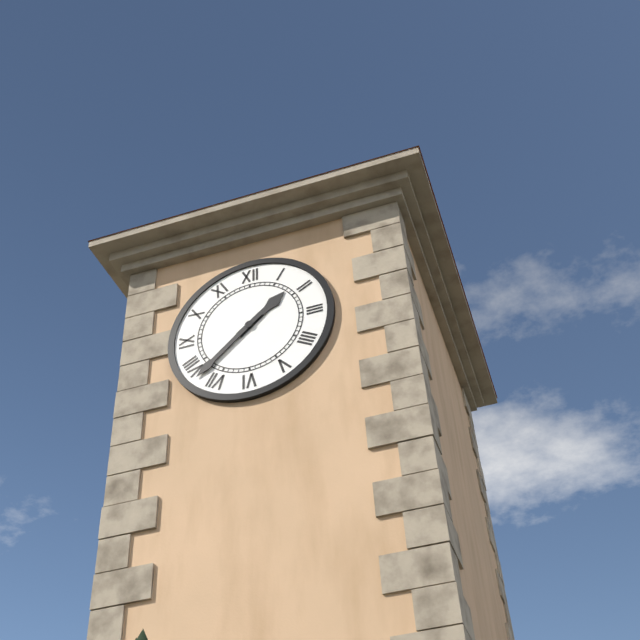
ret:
{"hour": 1, "minute": 38}
